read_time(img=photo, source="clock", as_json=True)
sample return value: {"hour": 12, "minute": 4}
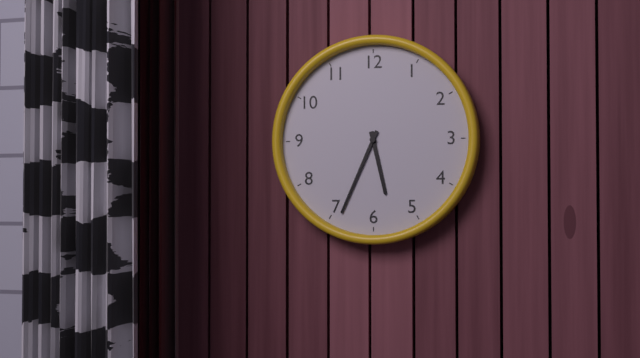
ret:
{"hour": 5, "minute": 34}
